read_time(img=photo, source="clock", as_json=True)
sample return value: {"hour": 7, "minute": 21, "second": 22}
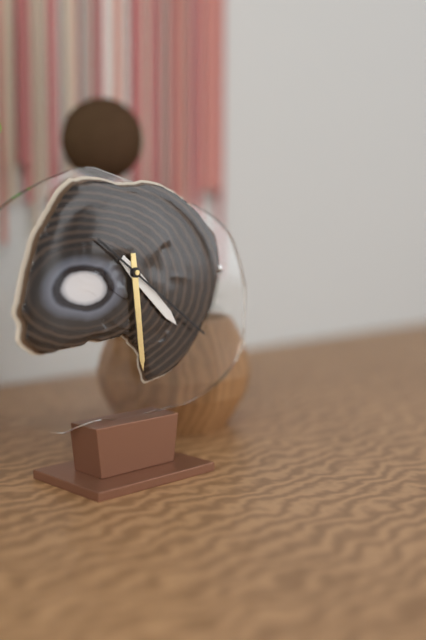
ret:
{"hour": 4, "minute": 29, "second": 21}
